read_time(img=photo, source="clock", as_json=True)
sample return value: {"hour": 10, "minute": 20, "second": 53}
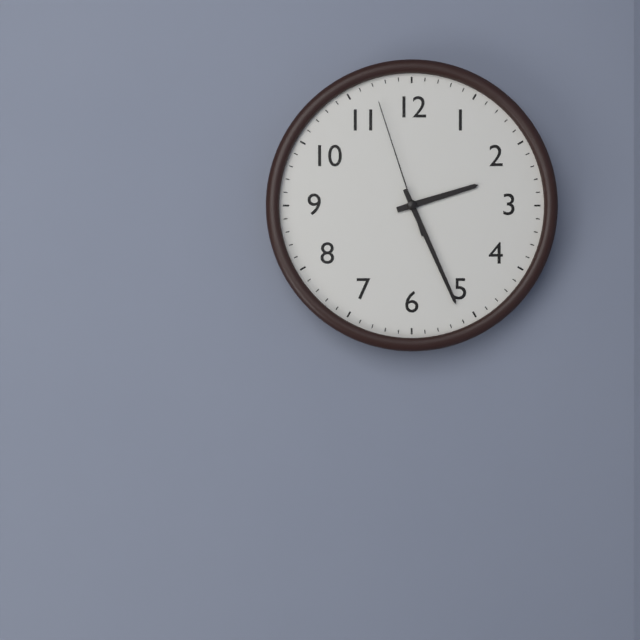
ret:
{"hour": 2, "minute": 26, "second": 57}
